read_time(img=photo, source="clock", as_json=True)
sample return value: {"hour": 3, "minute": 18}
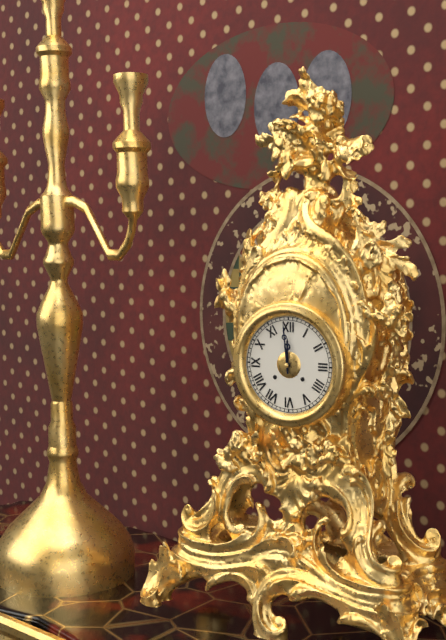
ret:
{"hour": 11, "minute": 59}
